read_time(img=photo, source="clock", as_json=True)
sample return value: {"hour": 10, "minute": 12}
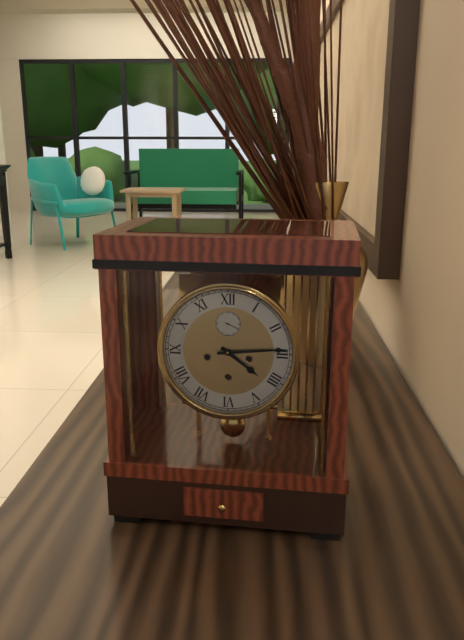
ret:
{"hour": 4, "minute": 14}
